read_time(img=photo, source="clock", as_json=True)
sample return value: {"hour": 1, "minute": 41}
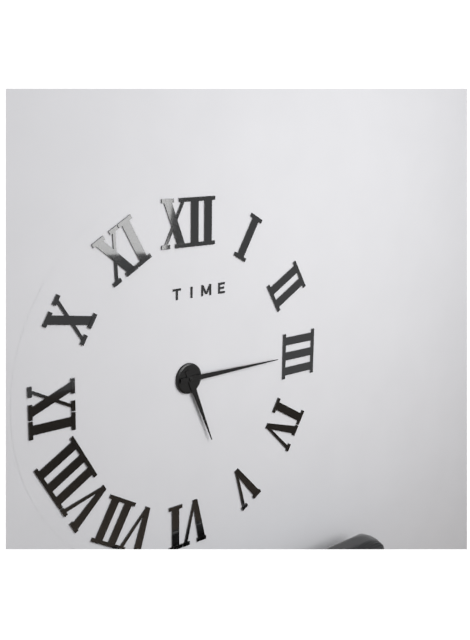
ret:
{"hour": 5, "minute": 15}
